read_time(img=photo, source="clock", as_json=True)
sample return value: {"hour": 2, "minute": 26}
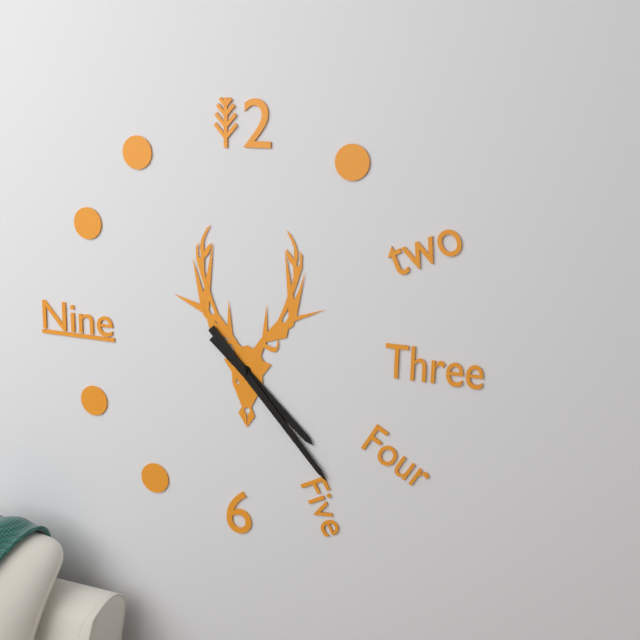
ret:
{"hour": 4, "minute": 23}
